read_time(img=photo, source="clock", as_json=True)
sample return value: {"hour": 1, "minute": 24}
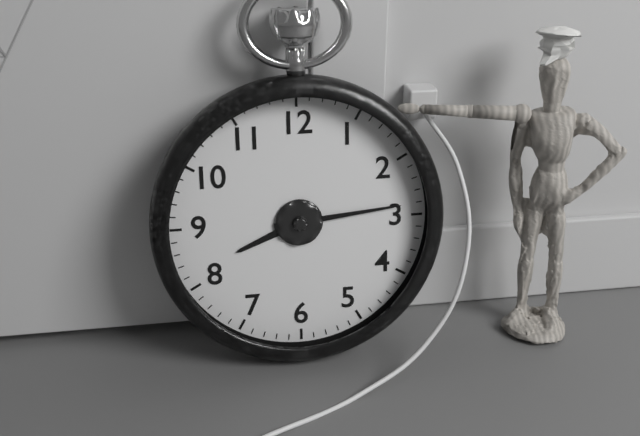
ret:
{"hour": 8, "minute": 14}
